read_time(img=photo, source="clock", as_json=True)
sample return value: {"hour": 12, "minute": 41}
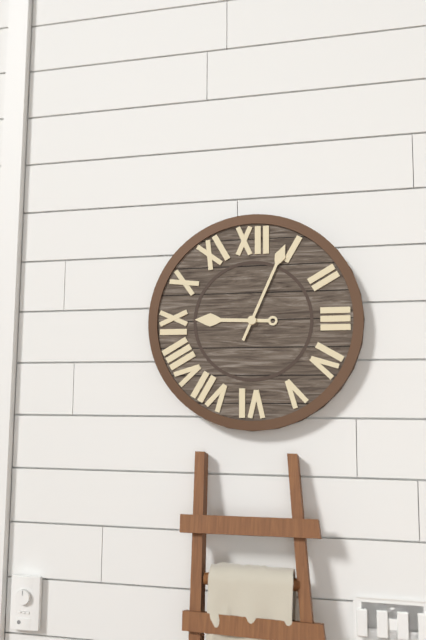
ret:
{"hour": 9, "minute": 4}
